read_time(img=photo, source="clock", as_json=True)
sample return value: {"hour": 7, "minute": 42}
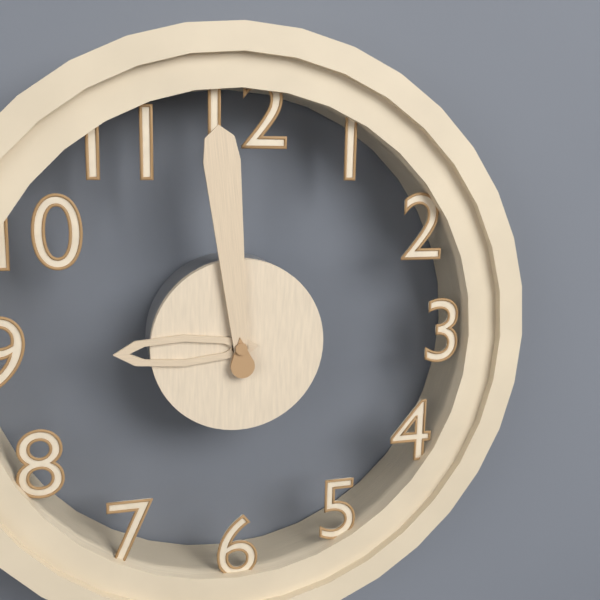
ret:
{"hour": 8, "minute": 59}
